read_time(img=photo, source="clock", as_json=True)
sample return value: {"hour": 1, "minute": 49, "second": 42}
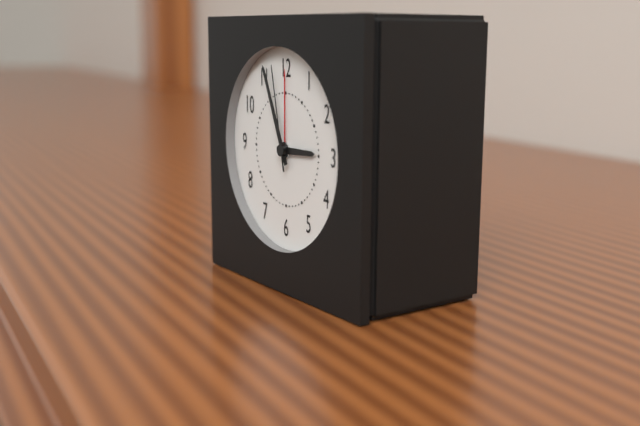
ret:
{"hour": 2, "minute": 56, "second": 58}
